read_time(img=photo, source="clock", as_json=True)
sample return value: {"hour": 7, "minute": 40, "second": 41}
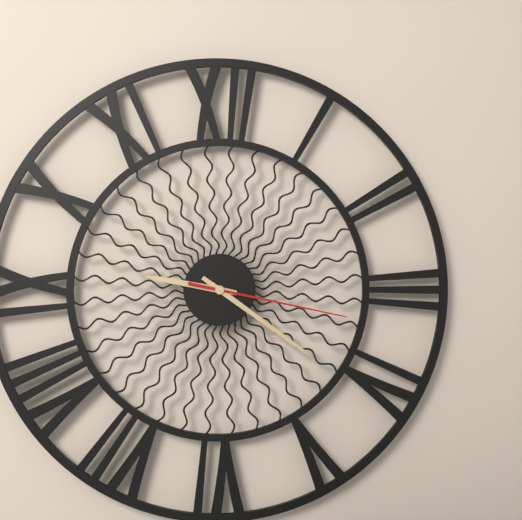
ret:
{"hour": 9, "minute": 21, "second": 17}
